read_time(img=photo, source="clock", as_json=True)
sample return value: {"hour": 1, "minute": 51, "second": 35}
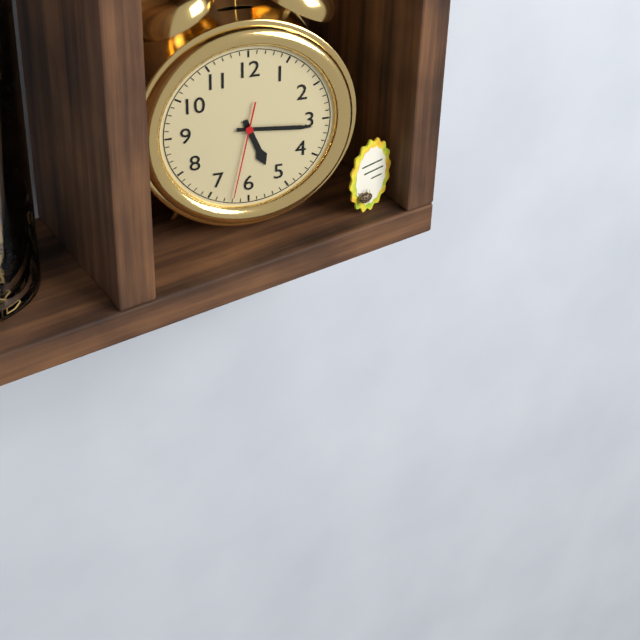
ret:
{"hour": 5, "minute": 16, "second": 32}
